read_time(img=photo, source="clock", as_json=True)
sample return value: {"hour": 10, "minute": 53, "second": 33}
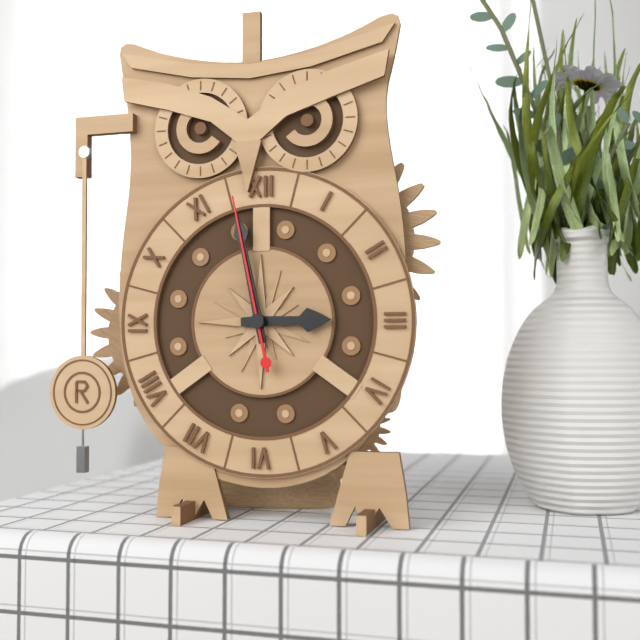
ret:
{"hour": 2, "minute": 58, "second": 58}
